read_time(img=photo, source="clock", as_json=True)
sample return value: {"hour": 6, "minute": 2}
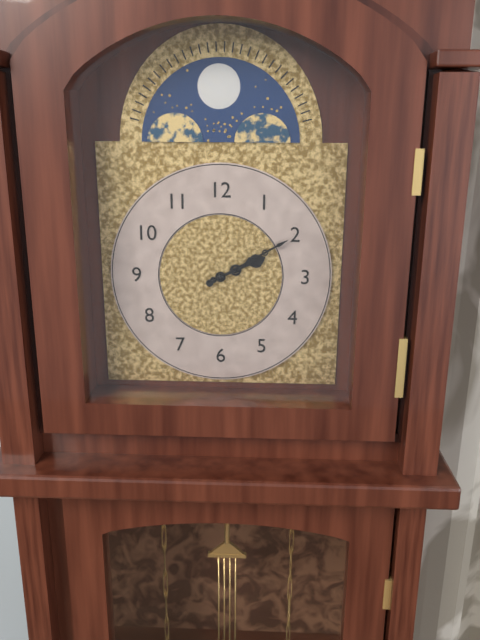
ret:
{"hour": 2, "minute": 10}
